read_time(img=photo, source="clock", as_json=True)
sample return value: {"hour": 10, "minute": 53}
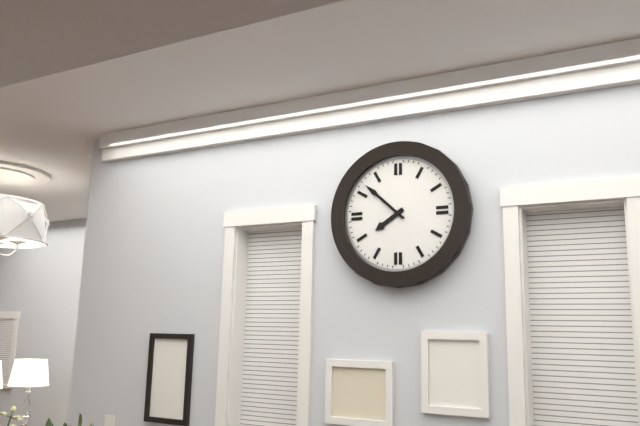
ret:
{"hour": 7, "minute": 52}
